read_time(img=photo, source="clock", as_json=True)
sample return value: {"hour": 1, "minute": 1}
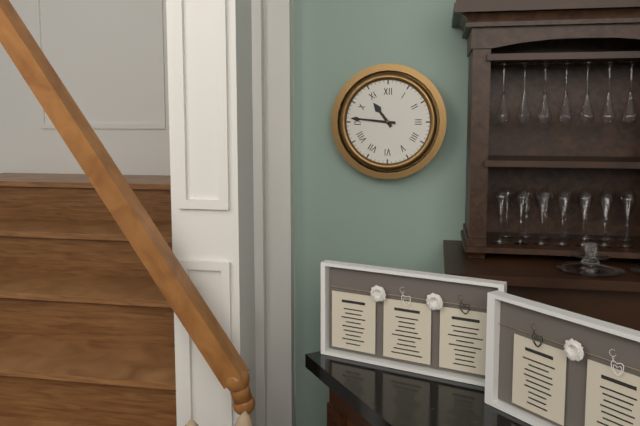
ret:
{"hour": 10, "minute": 46}
